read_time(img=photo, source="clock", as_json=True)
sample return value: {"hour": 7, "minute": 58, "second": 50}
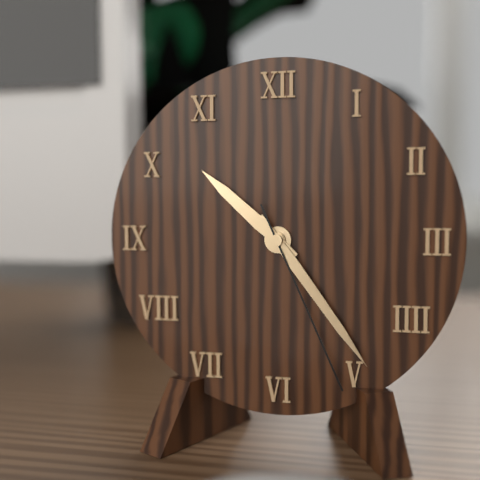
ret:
{"hour": 10, "minute": 24, "second": 26}
